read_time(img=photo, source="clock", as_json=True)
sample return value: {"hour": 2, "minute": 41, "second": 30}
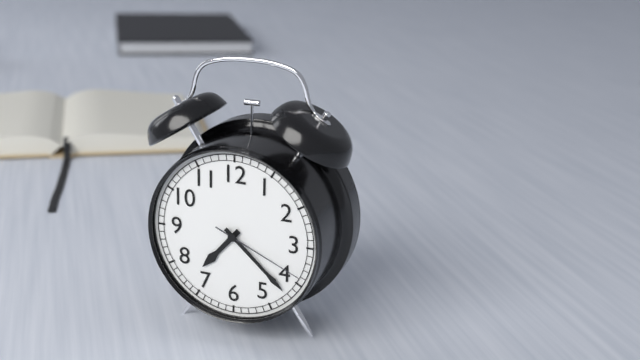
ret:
{"hour": 7, "minute": 22, "second": 19}
